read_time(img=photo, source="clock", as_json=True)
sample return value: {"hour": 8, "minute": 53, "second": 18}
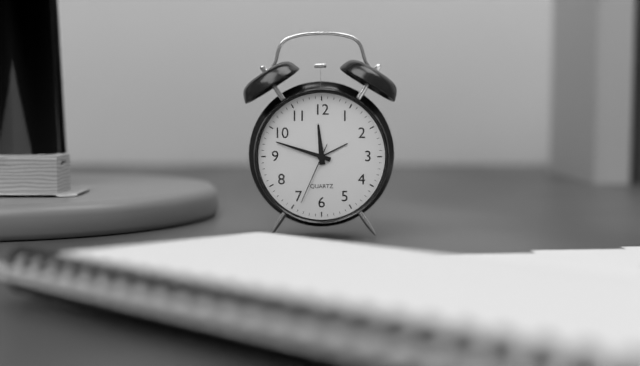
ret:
{"hour": 11, "minute": 48, "second": 34}
